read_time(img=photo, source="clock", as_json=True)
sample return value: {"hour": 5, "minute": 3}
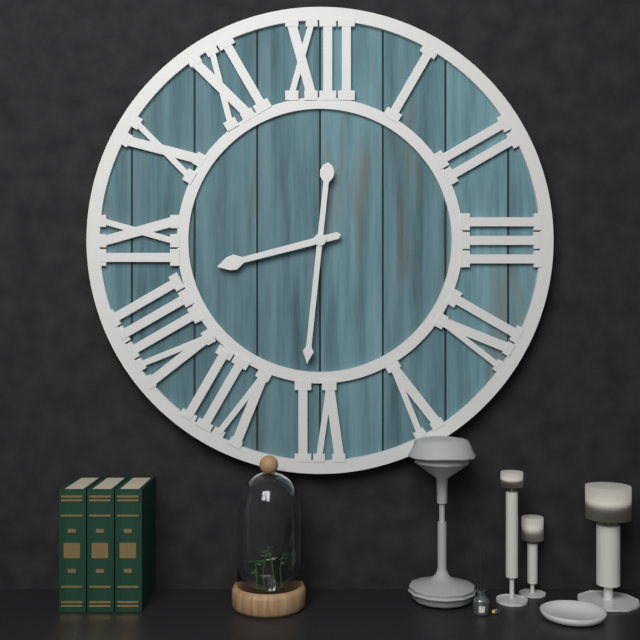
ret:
{"hour": 8, "minute": 31}
